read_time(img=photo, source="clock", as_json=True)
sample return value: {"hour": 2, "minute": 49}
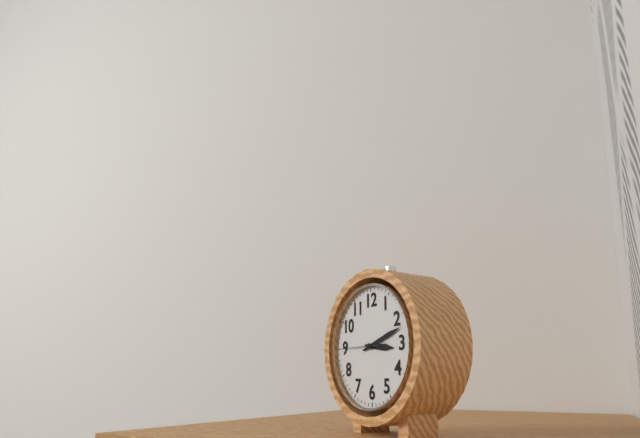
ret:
{"hour": 3, "minute": 12}
